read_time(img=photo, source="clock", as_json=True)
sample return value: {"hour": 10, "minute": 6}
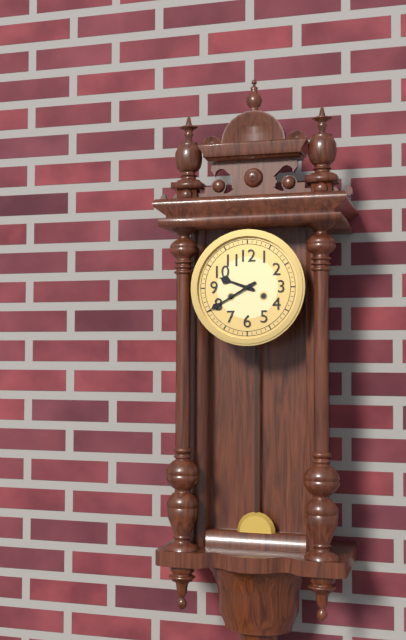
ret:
{"hour": 9, "minute": 40}
